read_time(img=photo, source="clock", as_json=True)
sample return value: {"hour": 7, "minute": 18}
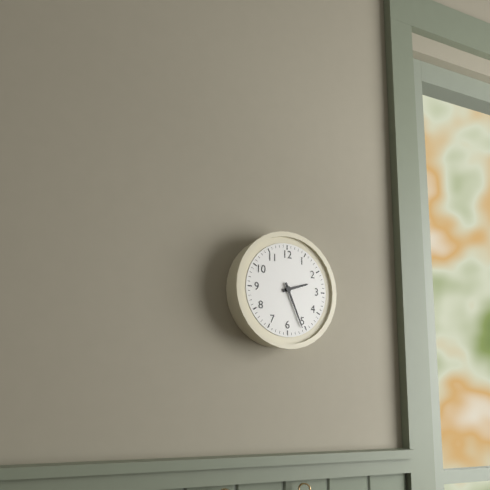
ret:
{"hour": 2, "minute": 26}
